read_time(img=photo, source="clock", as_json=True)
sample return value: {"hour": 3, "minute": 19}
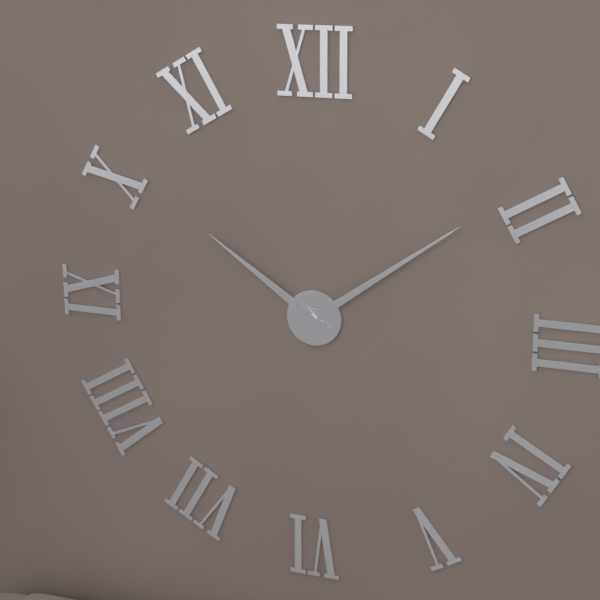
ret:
{"hour": 10, "minute": 9}
